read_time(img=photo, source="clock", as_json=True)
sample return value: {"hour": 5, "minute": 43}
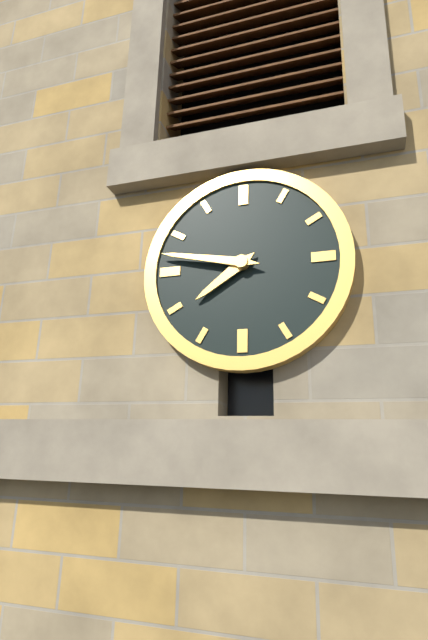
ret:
{"hour": 7, "minute": 47}
